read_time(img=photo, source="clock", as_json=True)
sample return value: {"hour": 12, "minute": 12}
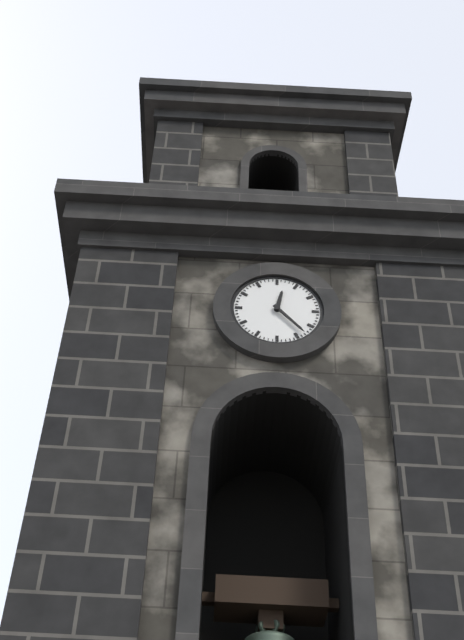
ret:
{"hour": 12, "minute": 23}
